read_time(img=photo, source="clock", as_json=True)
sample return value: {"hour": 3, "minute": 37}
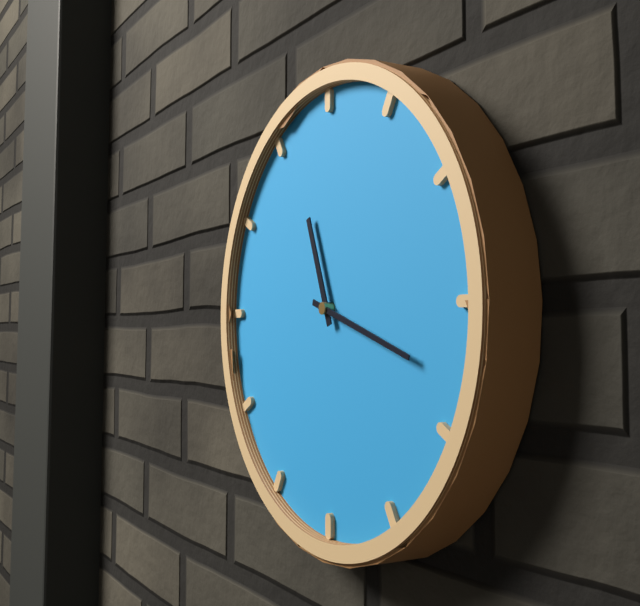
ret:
{"hour": 11, "minute": 18}
